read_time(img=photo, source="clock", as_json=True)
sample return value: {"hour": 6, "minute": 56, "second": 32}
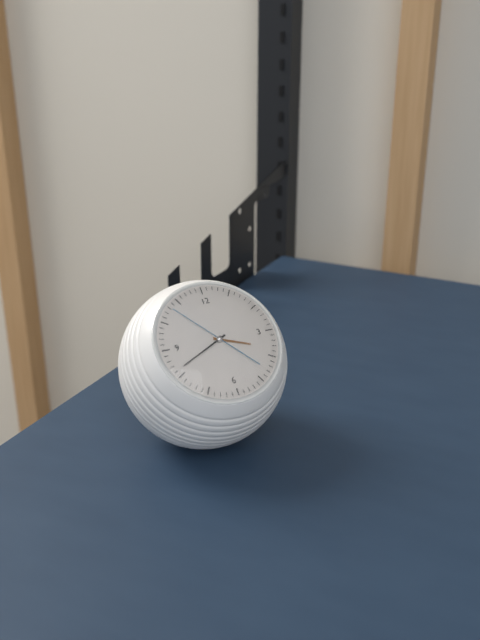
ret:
{"hour": 3, "minute": 41, "second": 53}
